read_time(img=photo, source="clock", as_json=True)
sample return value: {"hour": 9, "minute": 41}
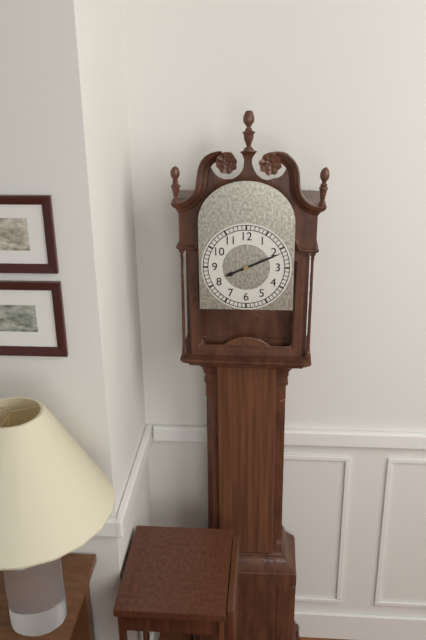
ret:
{"hour": 8, "minute": 11}
